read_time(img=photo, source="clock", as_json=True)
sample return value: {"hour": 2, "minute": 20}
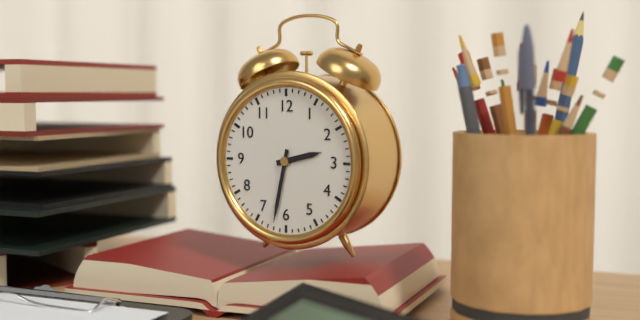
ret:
{"hour": 2, "minute": 32}
